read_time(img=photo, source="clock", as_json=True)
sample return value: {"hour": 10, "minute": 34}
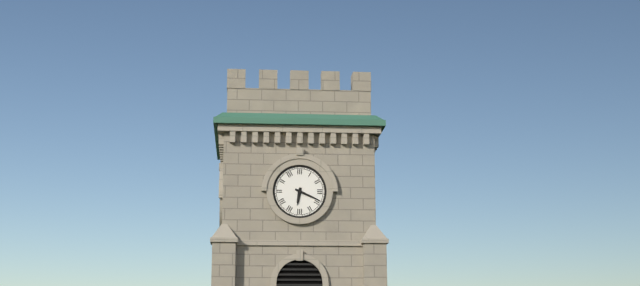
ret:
{"hour": 6, "minute": 19}
